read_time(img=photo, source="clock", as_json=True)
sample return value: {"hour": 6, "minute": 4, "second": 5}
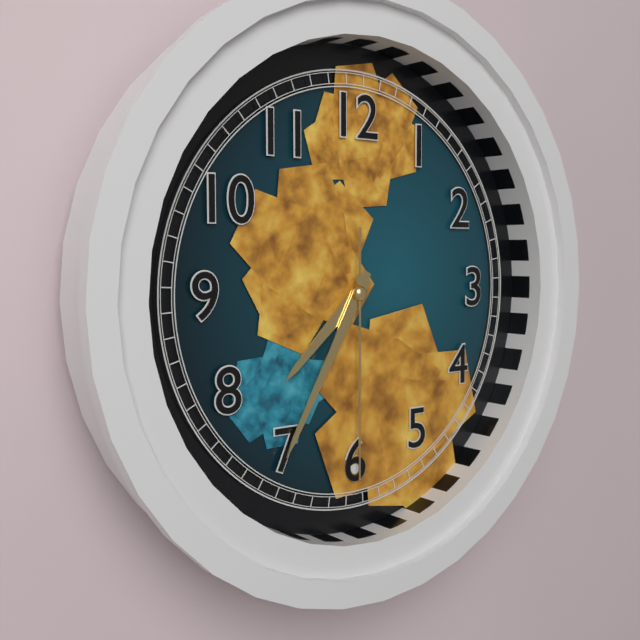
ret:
{"hour": 7, "minute": 35, "second": 30}
